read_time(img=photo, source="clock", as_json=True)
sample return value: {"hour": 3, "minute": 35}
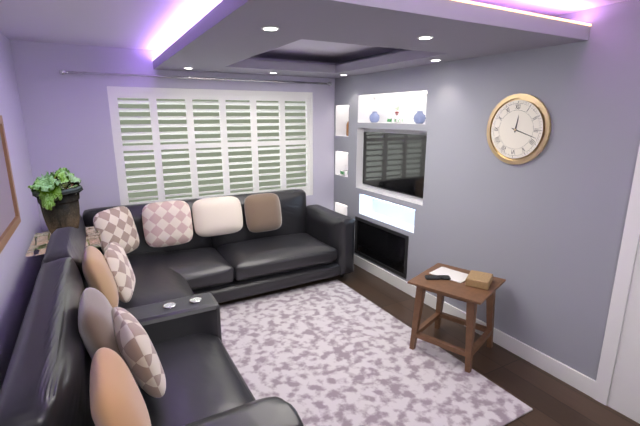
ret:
{"hour": 12, "minute": 18}
